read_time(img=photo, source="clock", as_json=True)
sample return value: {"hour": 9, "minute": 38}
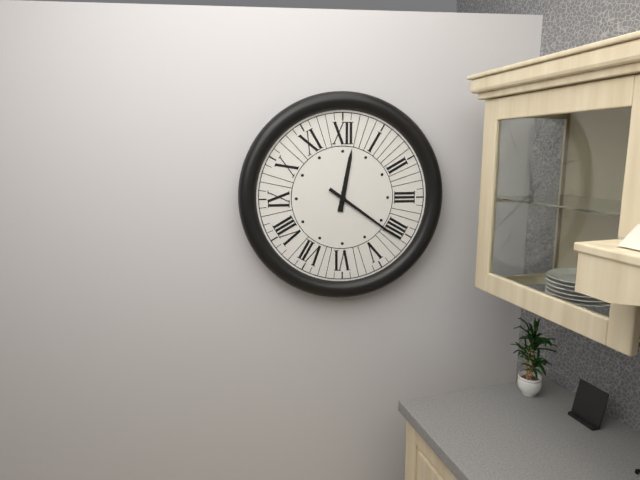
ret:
{"hour": 12, "minute": 21}
